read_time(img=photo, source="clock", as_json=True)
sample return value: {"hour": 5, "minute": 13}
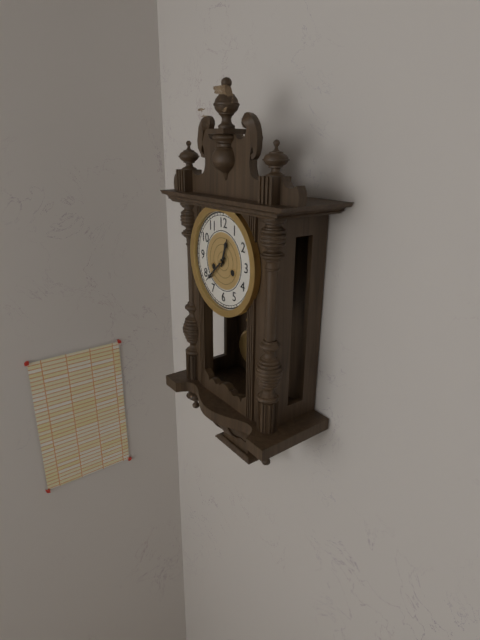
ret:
{"hour": 12, "minute": 38}
